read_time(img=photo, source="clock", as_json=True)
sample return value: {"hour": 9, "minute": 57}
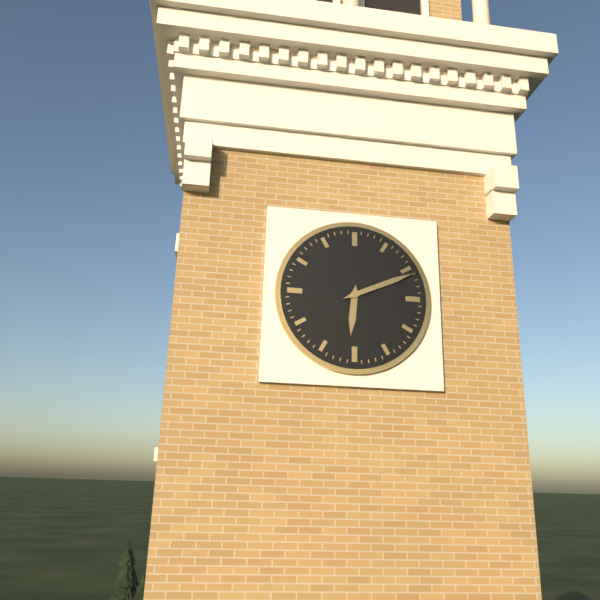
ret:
{"hour": 6, "minute": 11}
